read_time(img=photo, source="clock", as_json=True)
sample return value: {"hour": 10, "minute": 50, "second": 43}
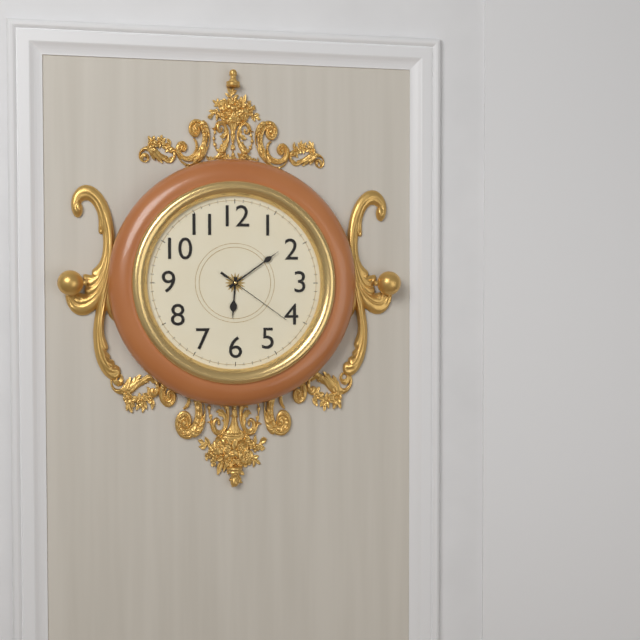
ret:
{"hour": 6, "minute": 9, "second": 21}
